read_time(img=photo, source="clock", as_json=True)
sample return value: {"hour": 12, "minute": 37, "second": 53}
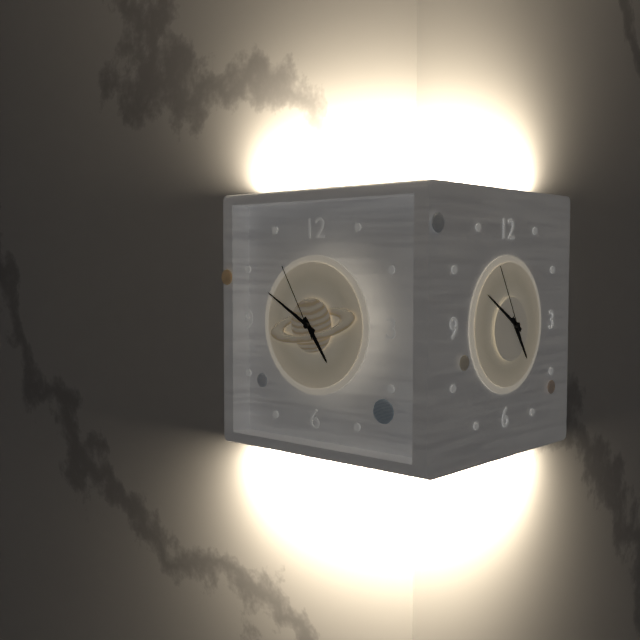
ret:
{"hour": 4, "minute": 50, "second": 55}
